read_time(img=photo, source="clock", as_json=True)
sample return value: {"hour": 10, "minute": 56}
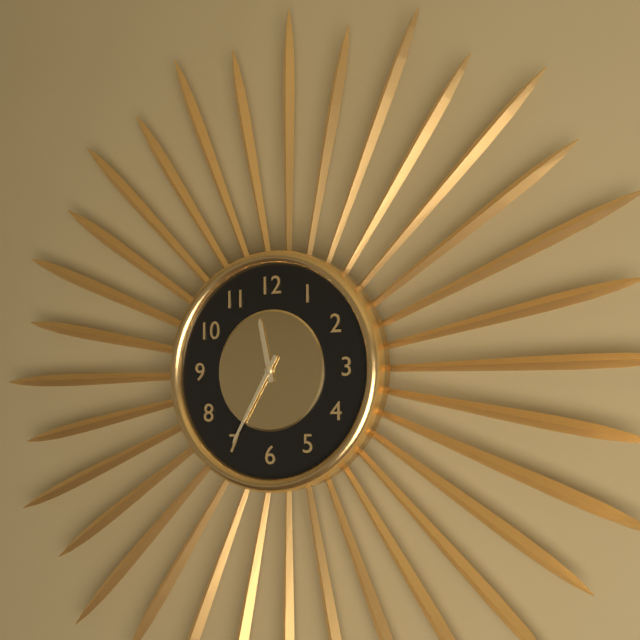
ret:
{"hour": 11, "minute": 35}
